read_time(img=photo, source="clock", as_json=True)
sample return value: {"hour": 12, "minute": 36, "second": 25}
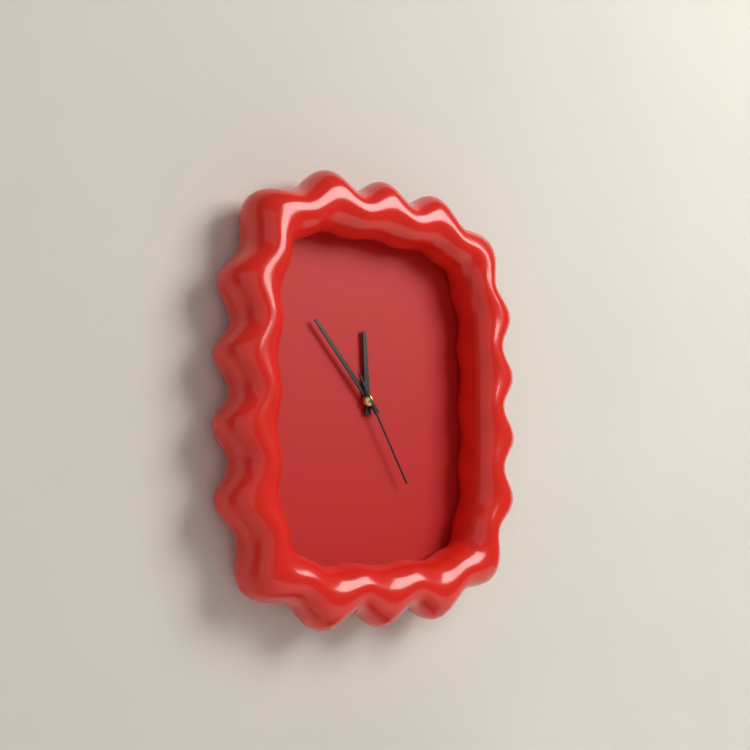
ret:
{"hour": 11, "minute": 53, "second": 25}
